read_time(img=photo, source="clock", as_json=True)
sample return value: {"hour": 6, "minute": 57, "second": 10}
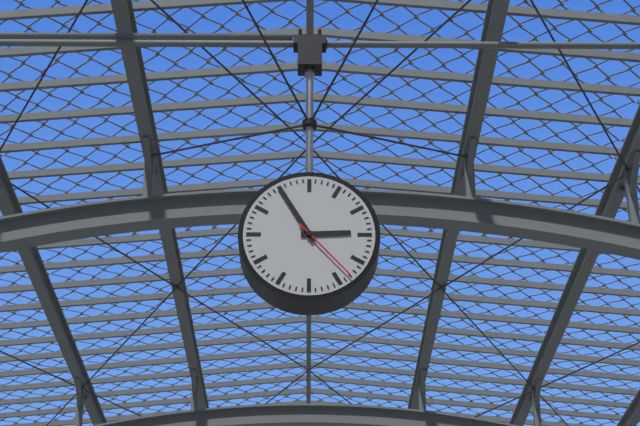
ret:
{"hour": 2, "minute": 55, "second": 23}
